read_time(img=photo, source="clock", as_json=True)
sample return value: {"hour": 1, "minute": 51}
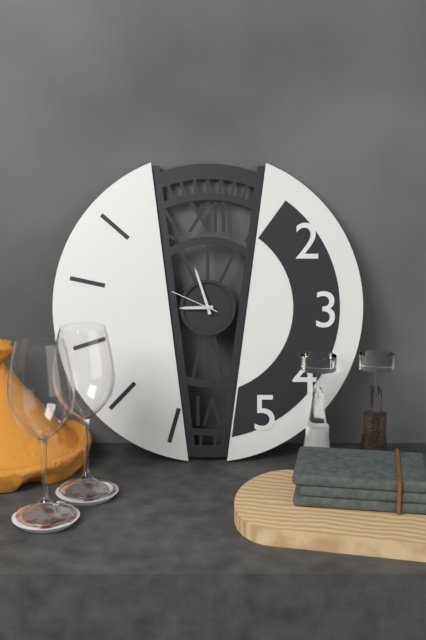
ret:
{"hour": 8, "minute": 57}
